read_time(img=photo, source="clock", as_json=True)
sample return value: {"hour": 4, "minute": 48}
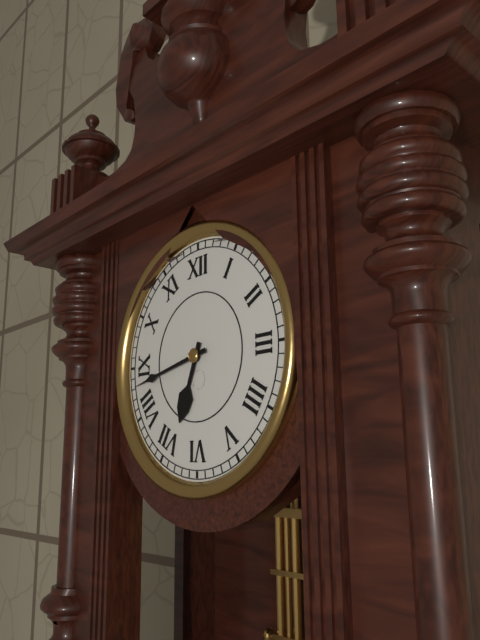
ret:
{"hour": 6, "minute": 43}
